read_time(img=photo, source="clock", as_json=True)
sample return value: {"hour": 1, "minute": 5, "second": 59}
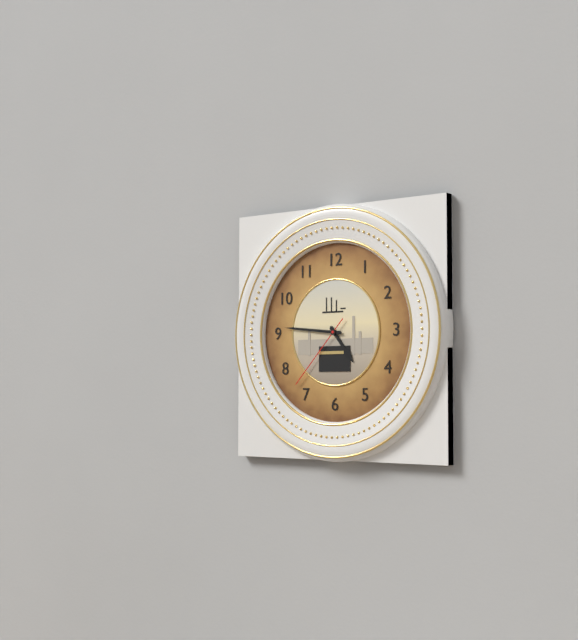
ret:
{"hour": 4, "minute": 46, "second": 37}
